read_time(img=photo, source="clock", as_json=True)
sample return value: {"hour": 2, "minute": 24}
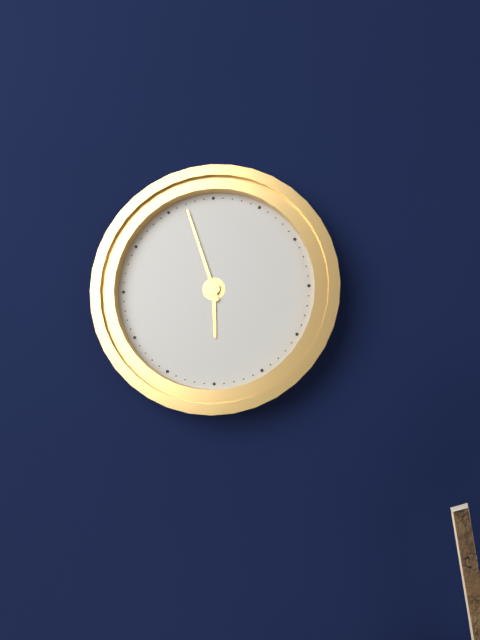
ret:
{"hour": 5, "minute": 57}
